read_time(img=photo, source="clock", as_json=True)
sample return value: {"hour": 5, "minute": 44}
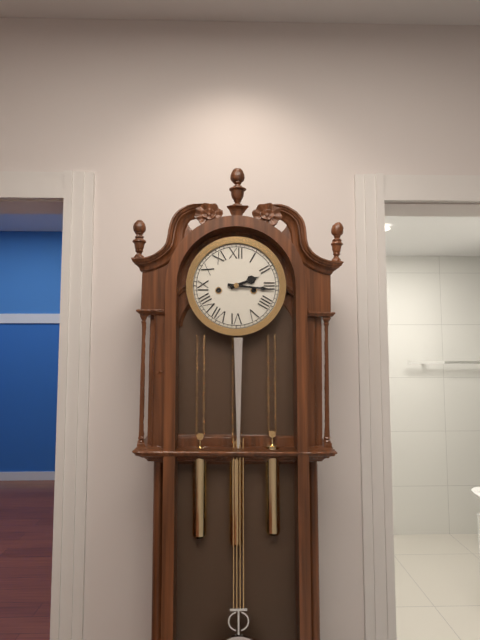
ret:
{"hour": 2, "minute": 16}
